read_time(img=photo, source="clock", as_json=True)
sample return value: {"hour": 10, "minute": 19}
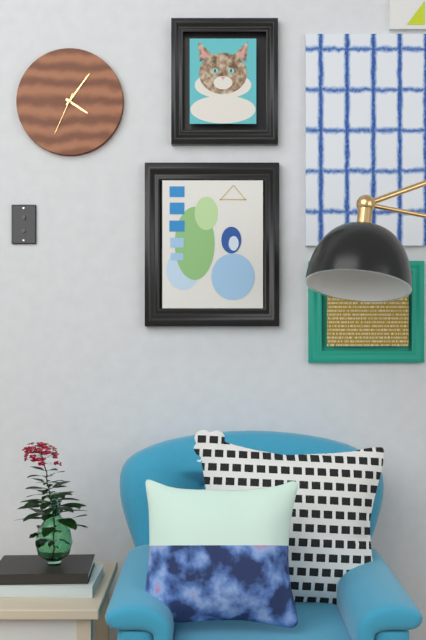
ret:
{"hour": 4, "minute": 6}
